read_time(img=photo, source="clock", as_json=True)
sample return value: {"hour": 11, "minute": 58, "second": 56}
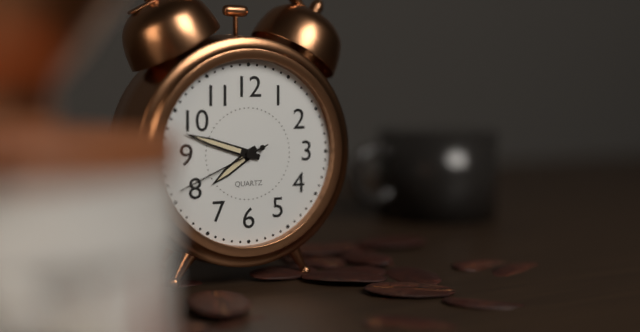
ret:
{"hour": 7, "minute": 48, "second": 41}
